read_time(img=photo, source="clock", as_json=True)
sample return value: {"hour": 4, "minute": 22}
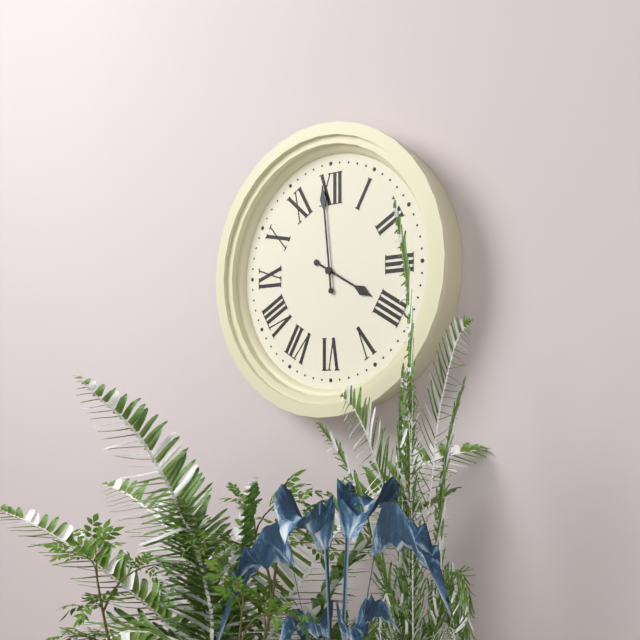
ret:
{"hour": 3, "minute": 59}
